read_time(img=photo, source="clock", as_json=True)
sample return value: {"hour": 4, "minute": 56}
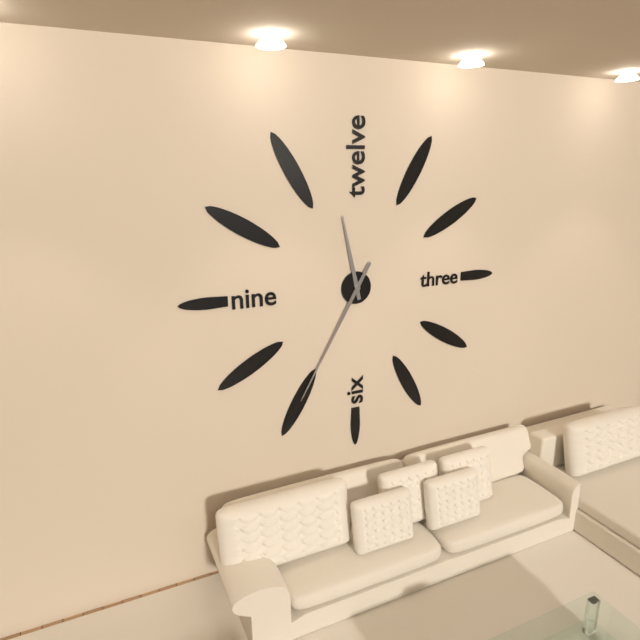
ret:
{"hour": 11, "minute": 35}
